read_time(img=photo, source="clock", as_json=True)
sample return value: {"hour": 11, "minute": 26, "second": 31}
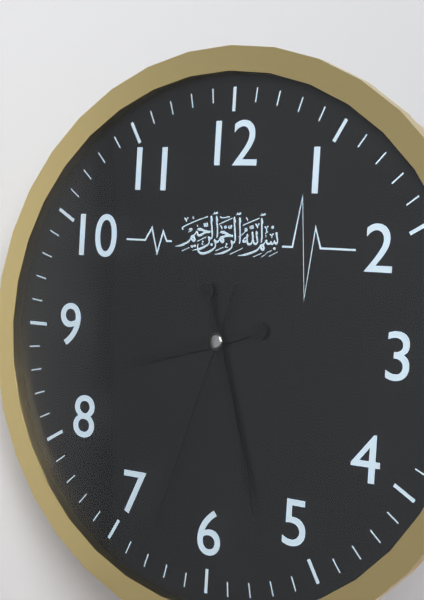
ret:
{"hour": 8, "minute": 27, "second": 33}
